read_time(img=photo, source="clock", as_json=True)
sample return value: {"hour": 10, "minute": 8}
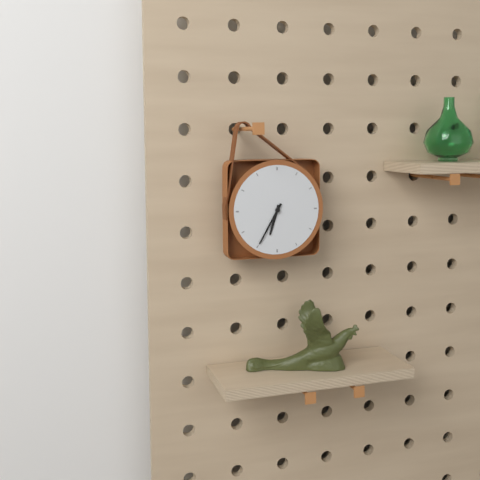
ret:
{"hour": 6, "minute": 35}
